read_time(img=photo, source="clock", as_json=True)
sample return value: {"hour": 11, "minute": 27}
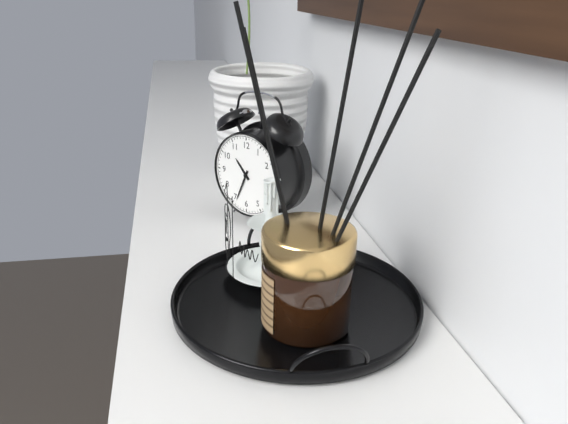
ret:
{"hour": 10, "minute": 34}
